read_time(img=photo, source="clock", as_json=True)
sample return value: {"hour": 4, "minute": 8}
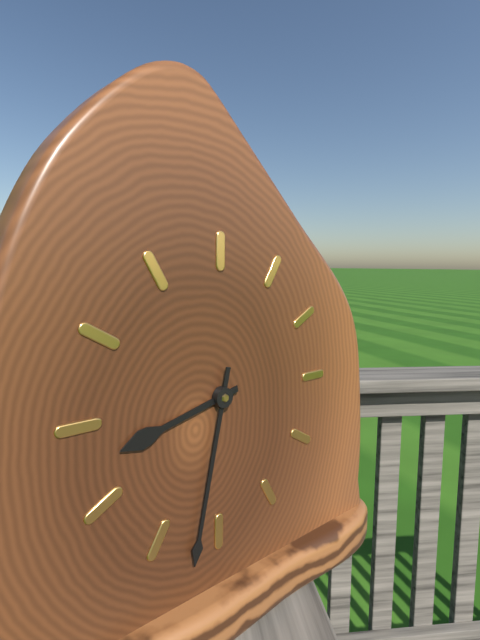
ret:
{"hour": 8, "minute": 32}
